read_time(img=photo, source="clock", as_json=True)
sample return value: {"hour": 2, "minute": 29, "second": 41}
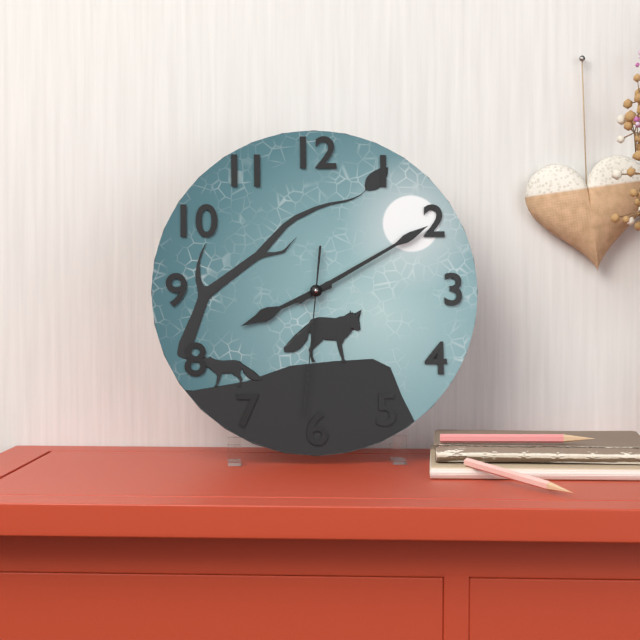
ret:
{"hour": 8, "minute": 10, "second": 31}
